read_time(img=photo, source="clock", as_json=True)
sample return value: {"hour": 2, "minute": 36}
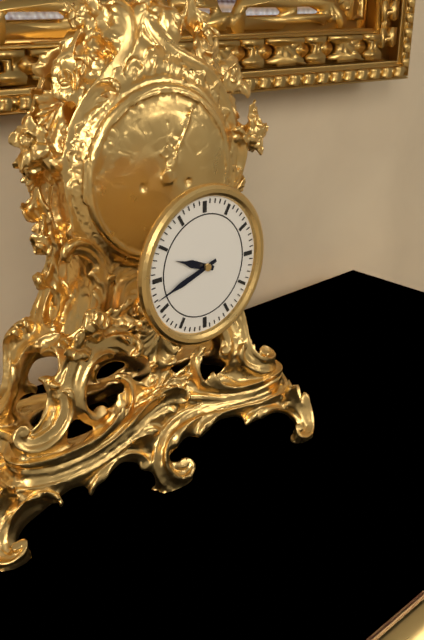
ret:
{"hour": 9, "minute": 42}
